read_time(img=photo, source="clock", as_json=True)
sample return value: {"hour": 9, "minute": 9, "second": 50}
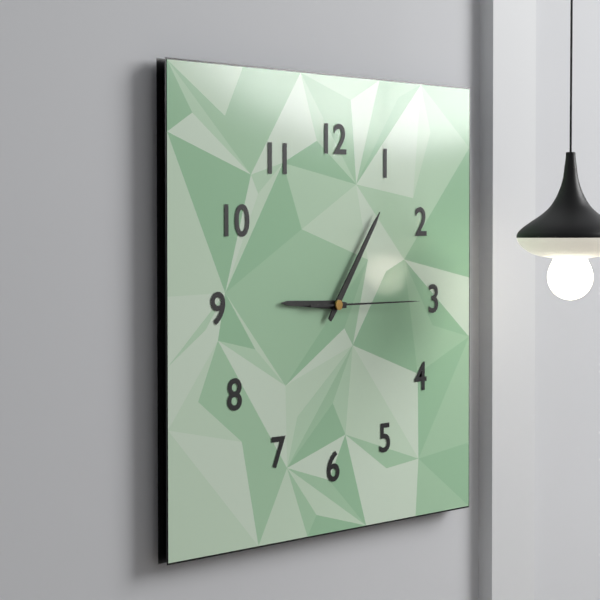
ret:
{"hour": 9, "minute": 6, "second": 15}
